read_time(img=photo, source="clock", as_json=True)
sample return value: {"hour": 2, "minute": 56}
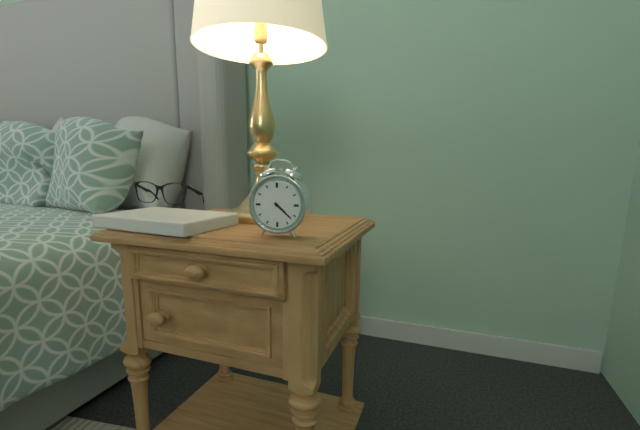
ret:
{"hour": 4, "minute": 22}
